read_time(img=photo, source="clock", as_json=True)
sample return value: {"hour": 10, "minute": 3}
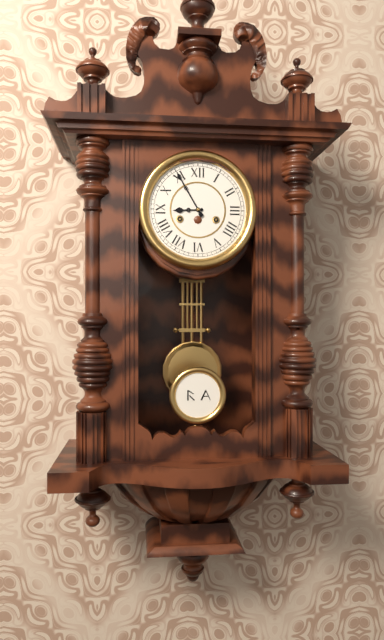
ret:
{"hour": 8, "minute": 55}
